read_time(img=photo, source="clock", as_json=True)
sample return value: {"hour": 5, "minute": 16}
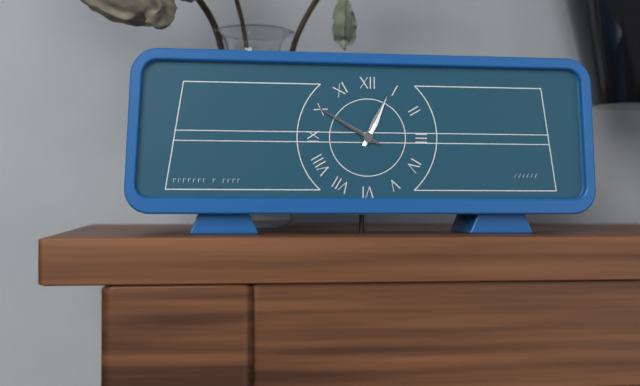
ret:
{"hour": 12, "minute": 50}
